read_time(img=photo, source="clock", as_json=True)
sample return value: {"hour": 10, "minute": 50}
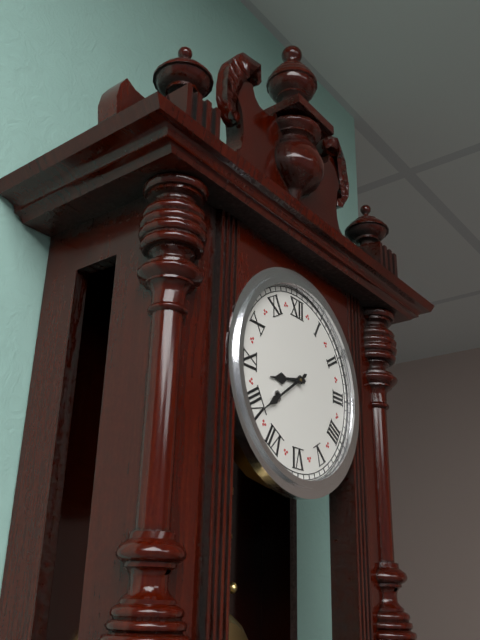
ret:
{"hour": 8, "minute": 39}
